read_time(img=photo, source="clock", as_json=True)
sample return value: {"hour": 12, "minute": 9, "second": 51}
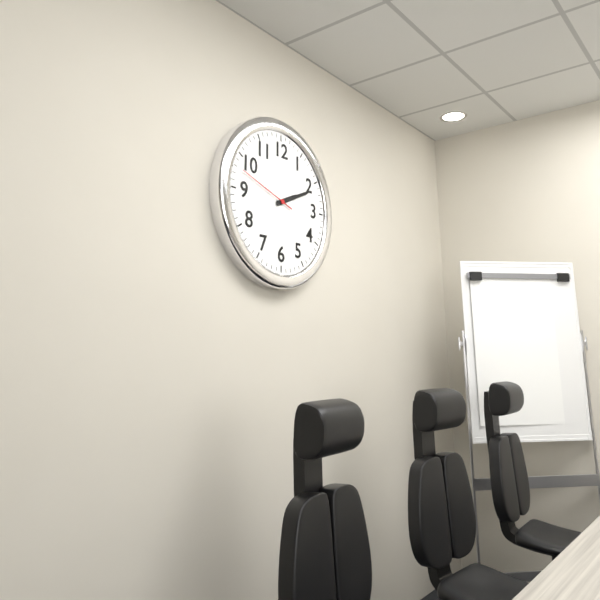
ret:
{"hour": 2, "minute": 11, "second": 48}
